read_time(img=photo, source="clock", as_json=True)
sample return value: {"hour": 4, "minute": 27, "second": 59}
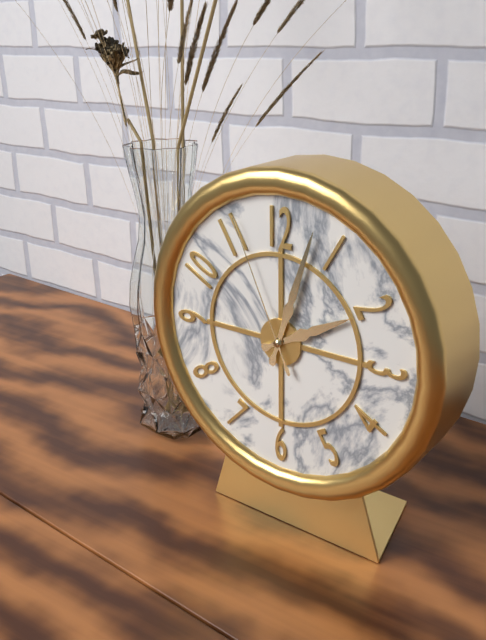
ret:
{"hour": 2, "minute": 3, "second": 56}
